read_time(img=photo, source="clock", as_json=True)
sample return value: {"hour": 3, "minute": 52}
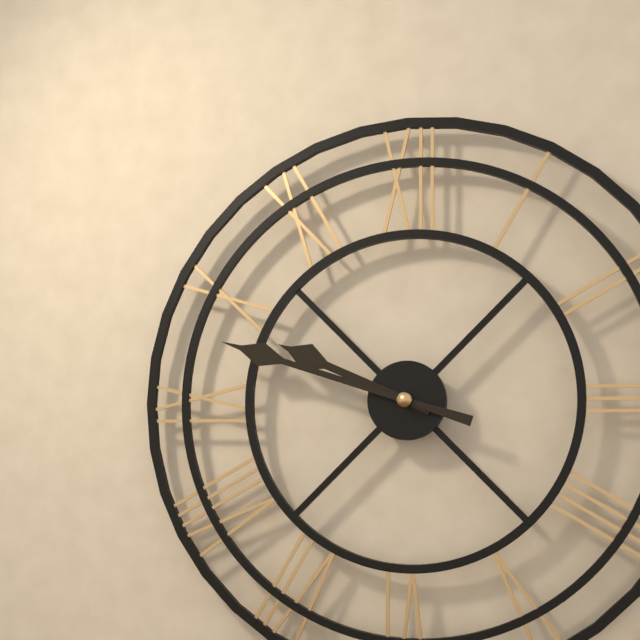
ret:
{"hour": 9, "minute": 48}
